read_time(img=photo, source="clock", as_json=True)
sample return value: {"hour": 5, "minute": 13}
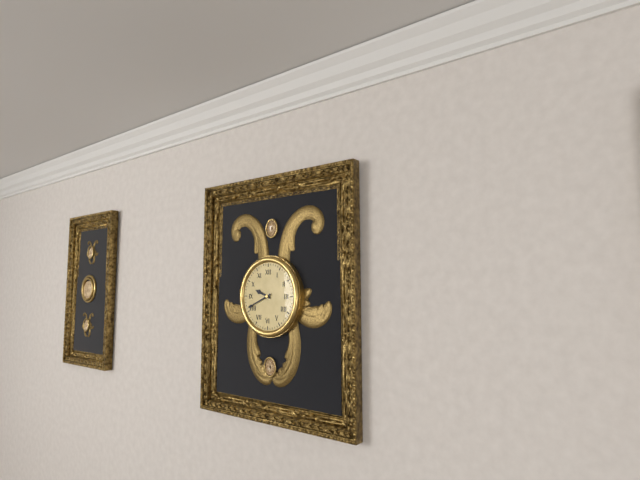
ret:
{"hour": 9, "minute": 41}
